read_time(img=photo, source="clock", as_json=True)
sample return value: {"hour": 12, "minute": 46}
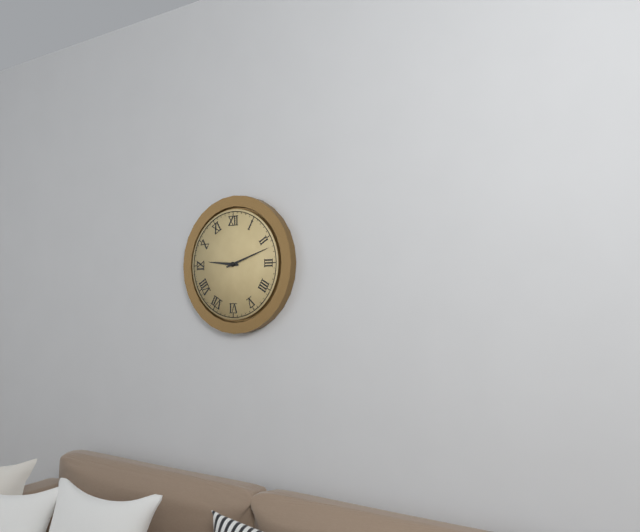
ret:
{"hour": 9, "minute": 12}
